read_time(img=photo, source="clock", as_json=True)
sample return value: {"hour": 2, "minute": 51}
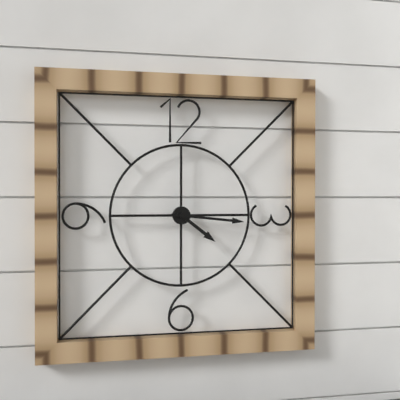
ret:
{"hour": 4, "minute": 16}
